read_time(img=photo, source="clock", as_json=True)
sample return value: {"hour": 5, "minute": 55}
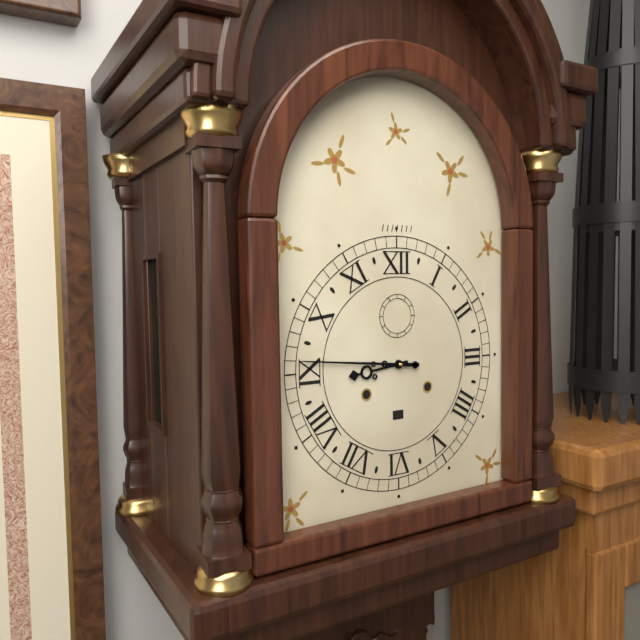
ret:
{"hour": 8, "minute": 46}
